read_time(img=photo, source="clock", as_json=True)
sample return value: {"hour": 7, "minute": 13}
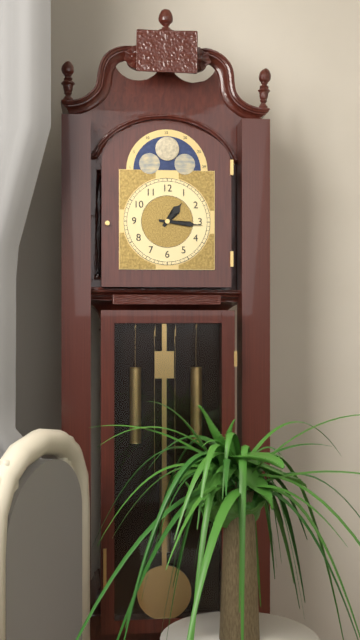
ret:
{"hour": 1, "minute": 16}
